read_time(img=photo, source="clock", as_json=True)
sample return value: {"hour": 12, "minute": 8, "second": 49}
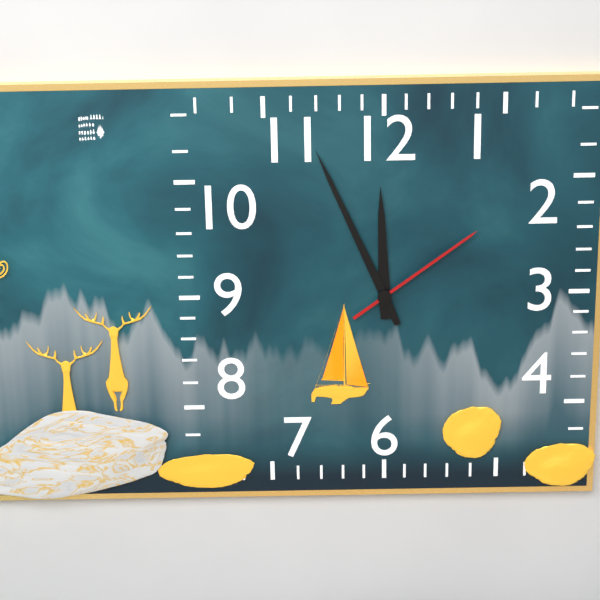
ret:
{"hour": 11, "minute": 56, "second": 9}
